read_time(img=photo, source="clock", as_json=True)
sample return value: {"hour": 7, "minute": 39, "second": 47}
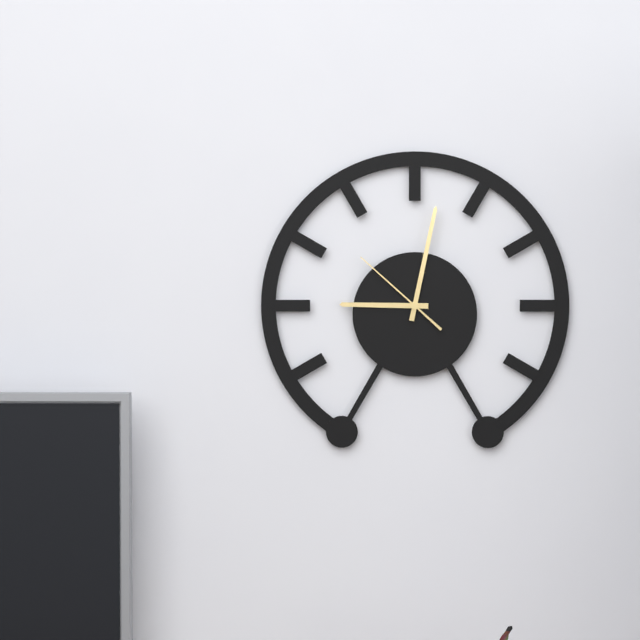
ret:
{"hour": 9, "minute": 2, "second": 52}
